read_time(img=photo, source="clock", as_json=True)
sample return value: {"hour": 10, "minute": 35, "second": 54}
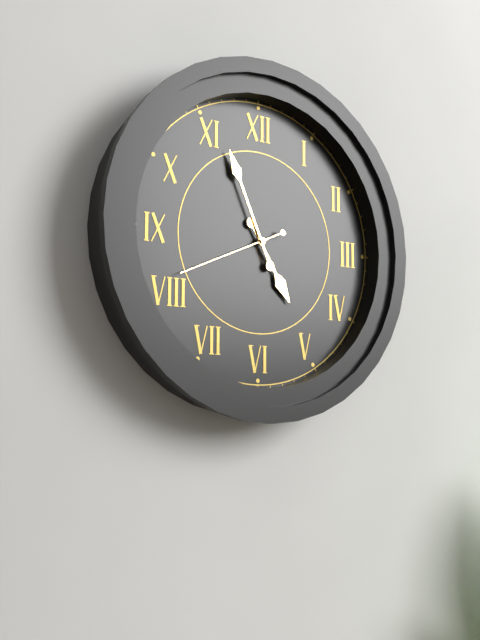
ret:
{"hour": 4, "minute": 56, "second": 41}
